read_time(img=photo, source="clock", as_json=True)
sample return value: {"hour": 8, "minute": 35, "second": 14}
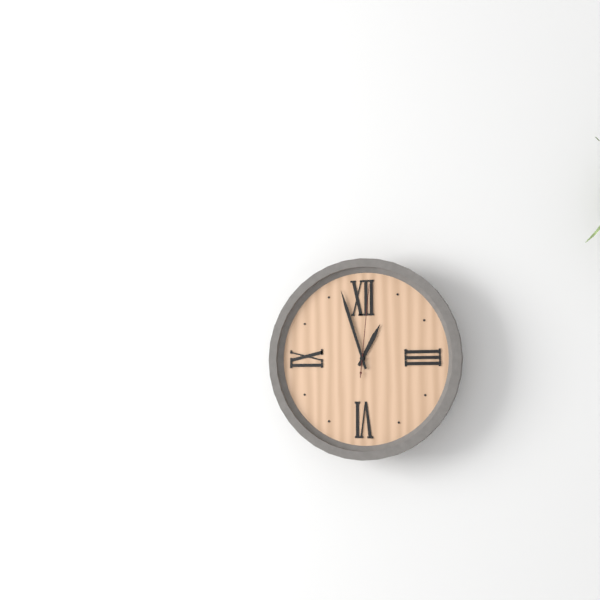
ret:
{"hour": 12, "minute": 57, "second": 1}
